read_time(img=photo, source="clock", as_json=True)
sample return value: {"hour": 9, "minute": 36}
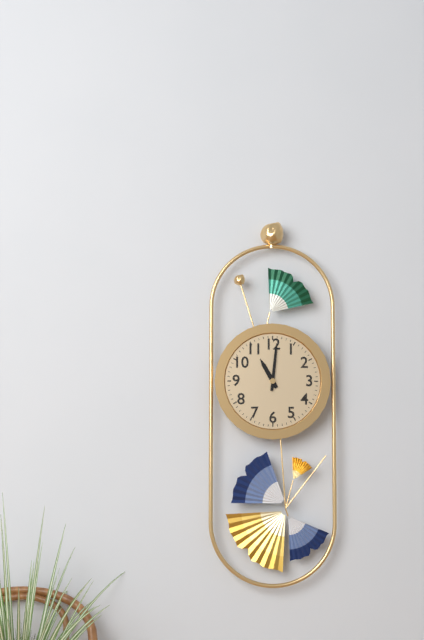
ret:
{"hour": 11, "minute": 1}
